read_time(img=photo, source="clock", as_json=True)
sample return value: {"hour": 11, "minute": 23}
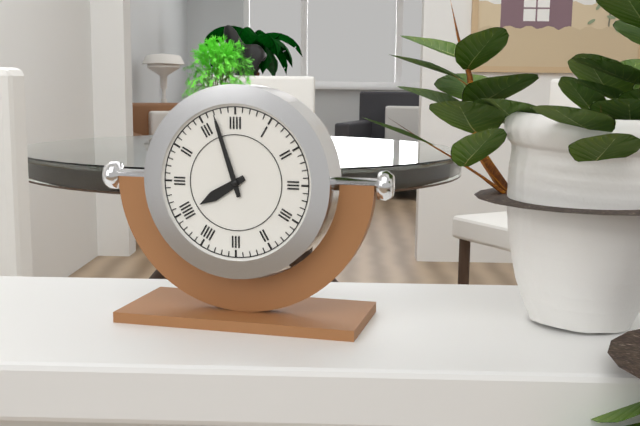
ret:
{"hour": 7, "minute": 57}
